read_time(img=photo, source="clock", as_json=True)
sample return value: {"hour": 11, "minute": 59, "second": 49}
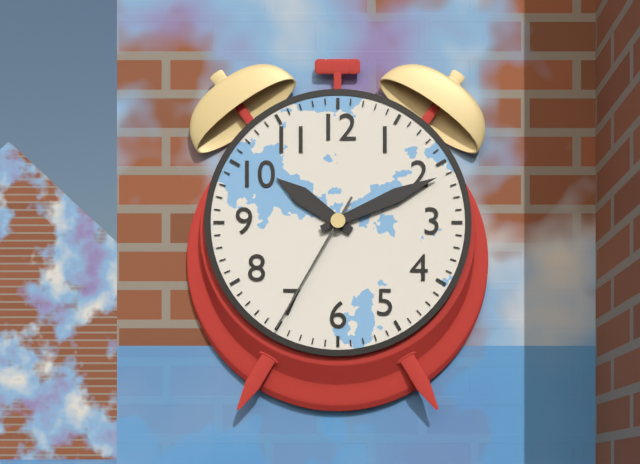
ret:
{"hour": 10, "minute": 11, "second": 35}
